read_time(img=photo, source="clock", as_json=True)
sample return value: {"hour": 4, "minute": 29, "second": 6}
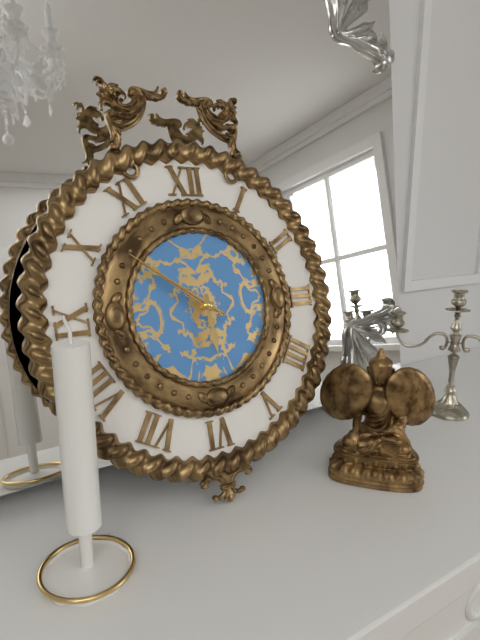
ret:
{"hour": 5, "minute": 51, "second": 51}
